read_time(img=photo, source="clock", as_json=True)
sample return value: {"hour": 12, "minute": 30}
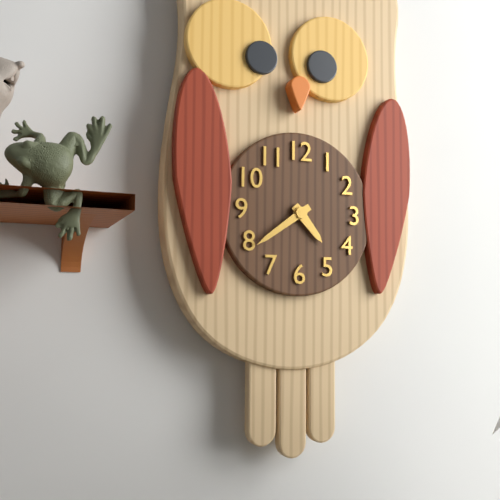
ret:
{"hour": 4, "minute": 39}
